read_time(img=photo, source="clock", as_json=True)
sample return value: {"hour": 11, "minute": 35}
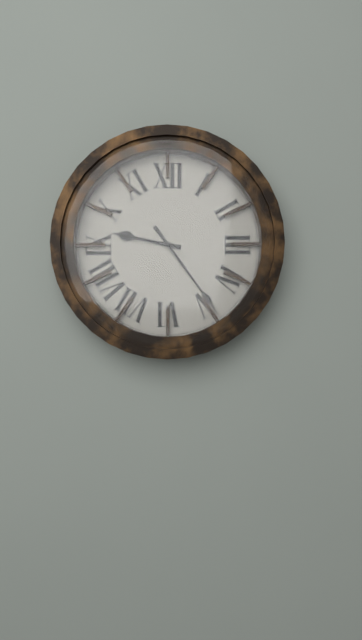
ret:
{"hour": 9, "minute": 24}
